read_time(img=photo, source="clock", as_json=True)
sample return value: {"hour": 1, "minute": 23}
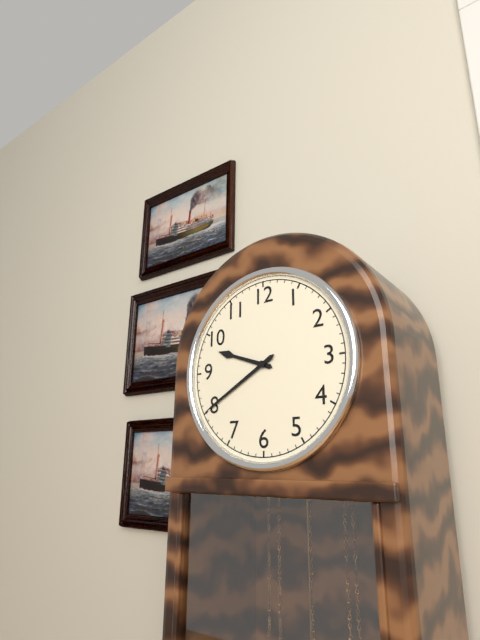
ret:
{"hour": 9, "minute": 40}
